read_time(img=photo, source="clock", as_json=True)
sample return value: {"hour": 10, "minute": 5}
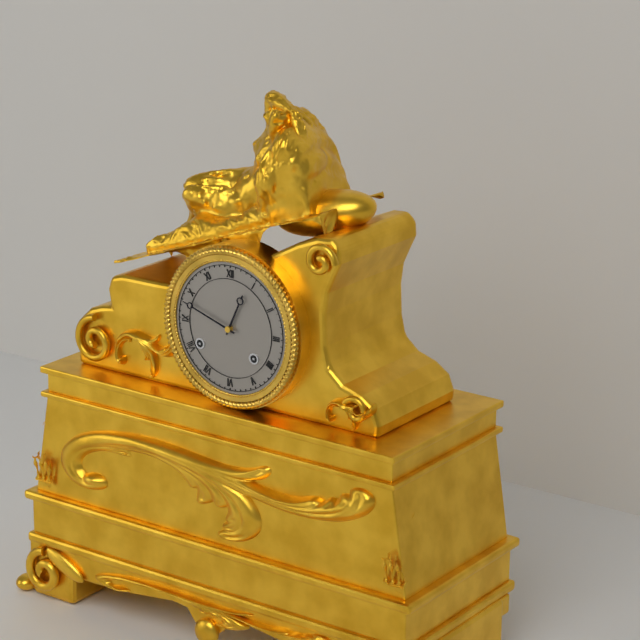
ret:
{"hour": 12, "minute": 48}
